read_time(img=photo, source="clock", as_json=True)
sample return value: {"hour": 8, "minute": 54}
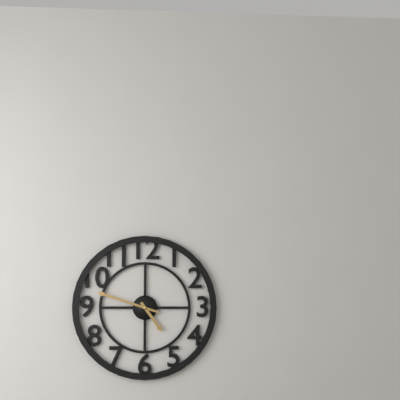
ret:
{"hour": 4, "minute": 48}
